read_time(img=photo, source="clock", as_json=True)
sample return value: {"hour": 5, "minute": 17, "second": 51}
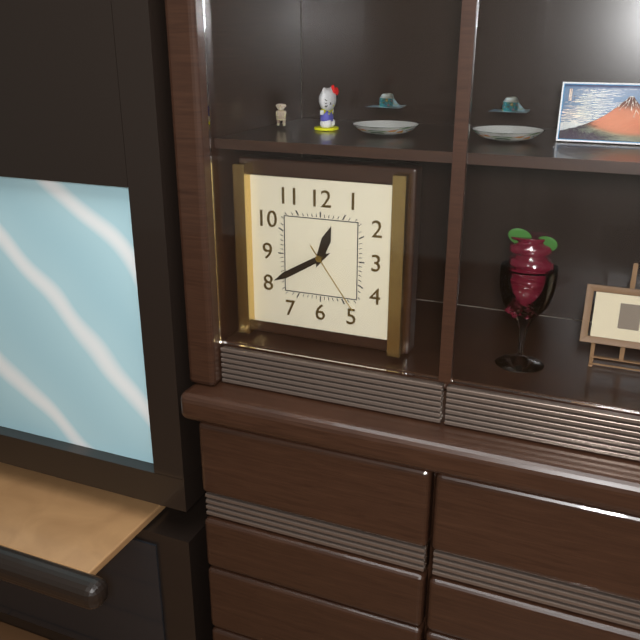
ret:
{"hour": 12, "minute": 40, "second": 24}
